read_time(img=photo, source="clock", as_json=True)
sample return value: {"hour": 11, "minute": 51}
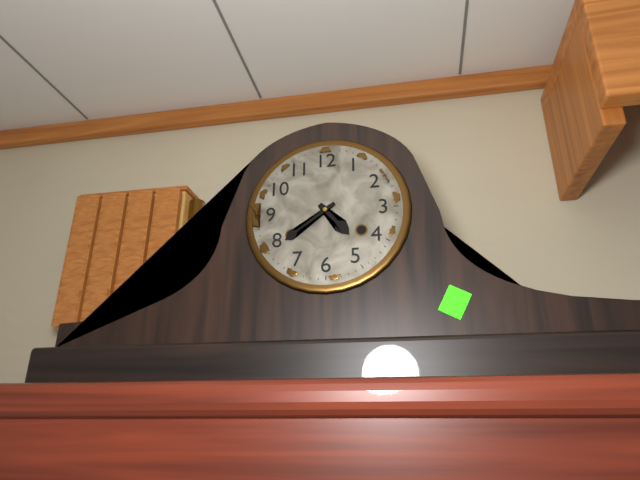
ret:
{"hour": 4, "minute": 39}
